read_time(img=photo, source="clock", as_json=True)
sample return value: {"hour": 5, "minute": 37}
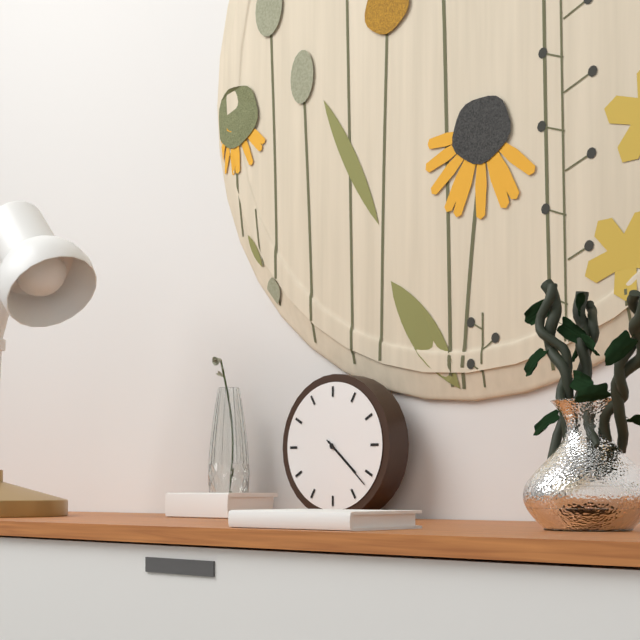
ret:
{"hour": 4, "minute": 22}
